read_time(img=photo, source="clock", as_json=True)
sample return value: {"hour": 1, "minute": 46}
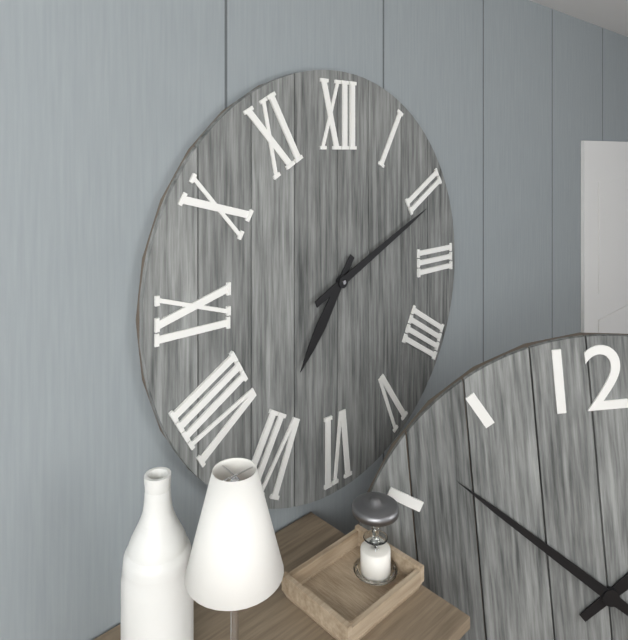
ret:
{"hour": 7, "minute": 11}
